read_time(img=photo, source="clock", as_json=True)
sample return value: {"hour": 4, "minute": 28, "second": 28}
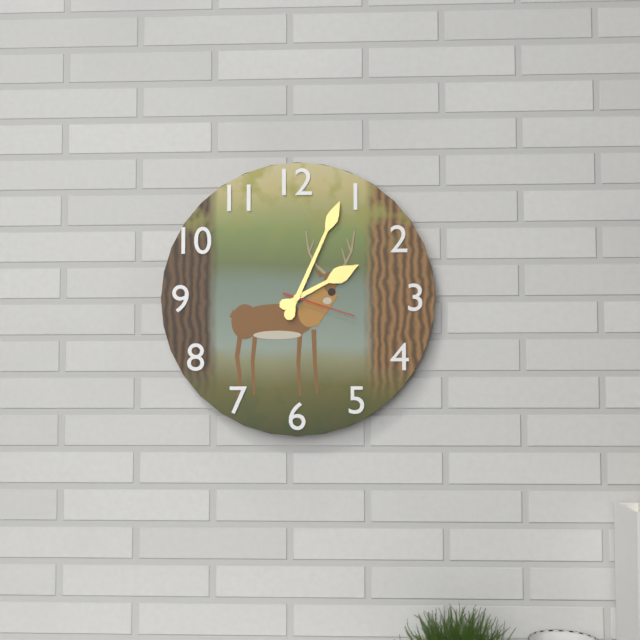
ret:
{"hour": 2, "minute": 4, "second": 18}
